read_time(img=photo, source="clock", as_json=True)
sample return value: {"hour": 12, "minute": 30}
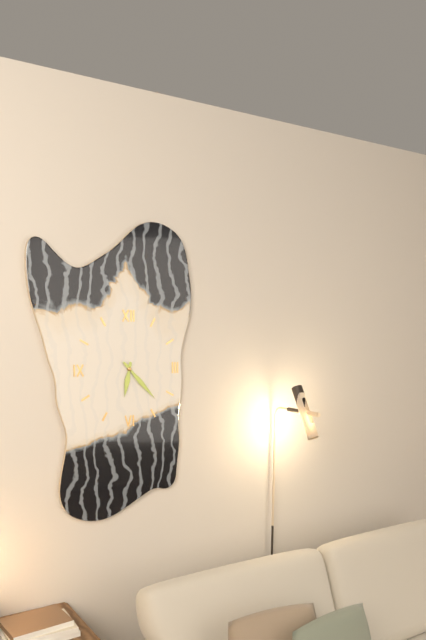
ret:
{"hour": 6, "minute": 23}
